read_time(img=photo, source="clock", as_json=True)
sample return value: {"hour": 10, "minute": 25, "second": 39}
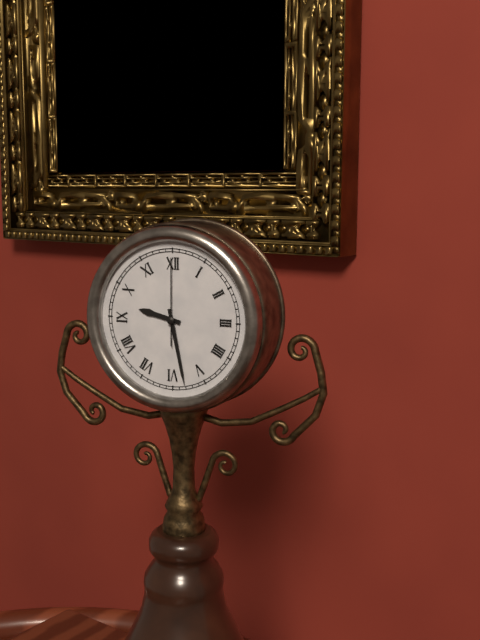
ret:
{"hour": 9, "minute": 28, "second": 0}
